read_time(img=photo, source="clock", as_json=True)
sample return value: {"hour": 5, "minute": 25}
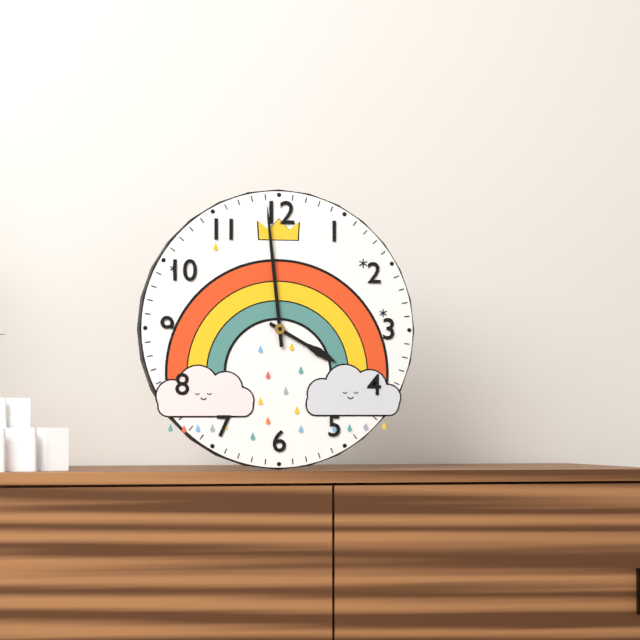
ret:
{"hour": 3, "minute": 59}
